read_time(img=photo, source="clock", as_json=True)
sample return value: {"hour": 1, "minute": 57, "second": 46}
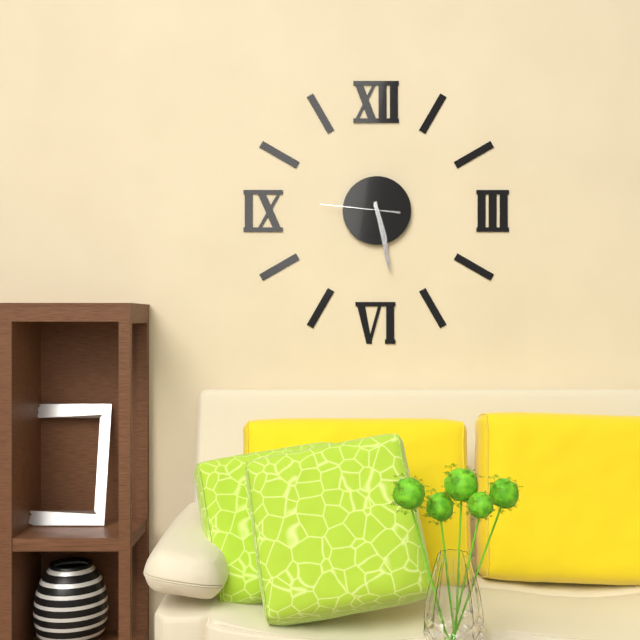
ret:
{"hour": 5, "minute": 28, "second": 46}
